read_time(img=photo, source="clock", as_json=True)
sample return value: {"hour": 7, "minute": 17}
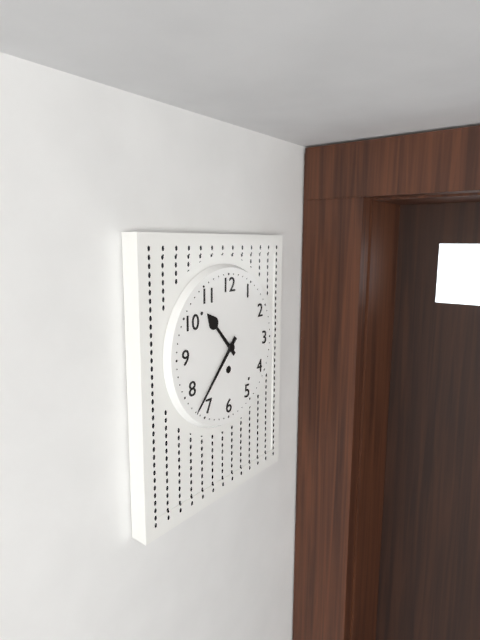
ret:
{"hour": 10, "minute": 37}
